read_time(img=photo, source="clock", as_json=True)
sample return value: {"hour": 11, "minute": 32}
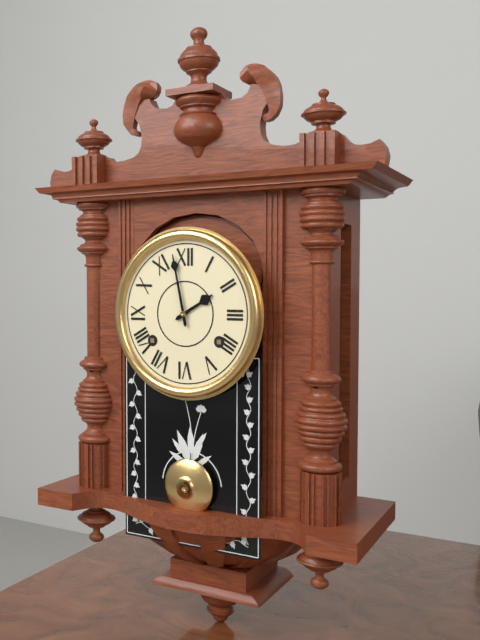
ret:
{"hour": 1, "minute": 58}
